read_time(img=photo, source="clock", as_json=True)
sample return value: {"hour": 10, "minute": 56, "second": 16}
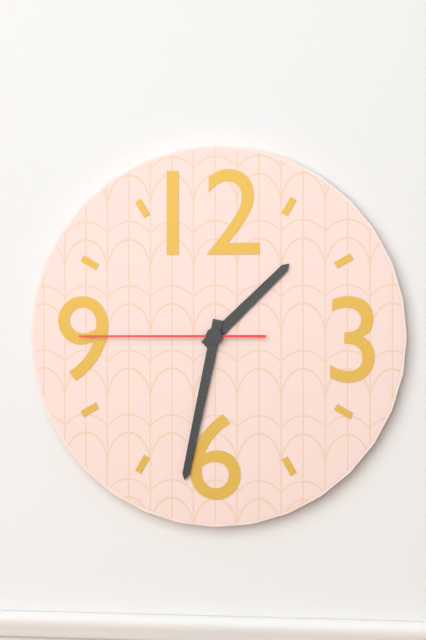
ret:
{"hour": 1, "minute": 32, "second": 45}
